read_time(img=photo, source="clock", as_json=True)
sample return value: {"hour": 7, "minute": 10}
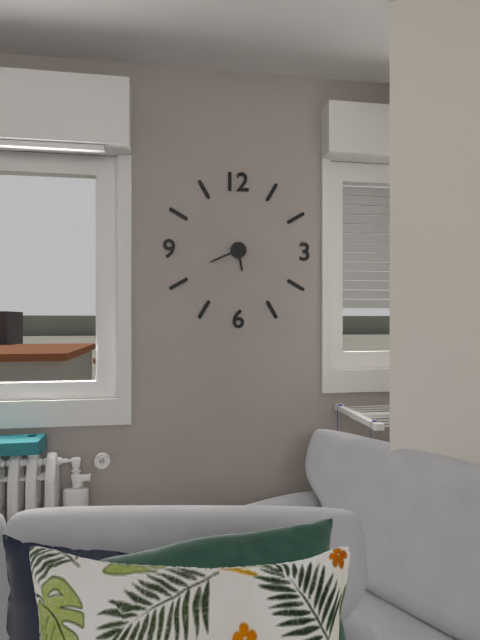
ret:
{"hour": 5, "minute": 41}
